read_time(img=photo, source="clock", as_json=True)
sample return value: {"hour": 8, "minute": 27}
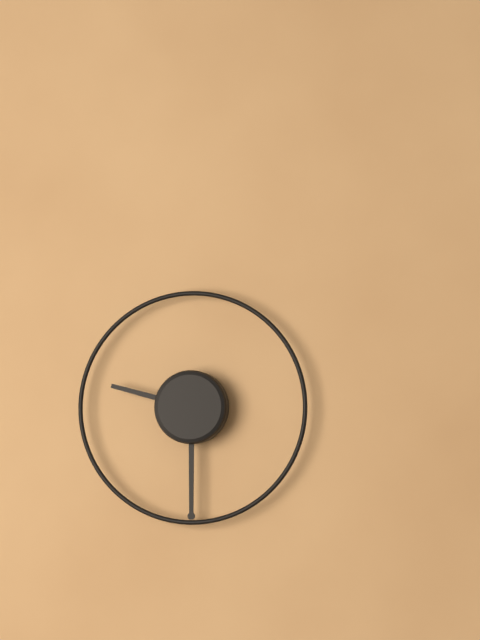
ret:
{"hour": 9, "minute": 30}
